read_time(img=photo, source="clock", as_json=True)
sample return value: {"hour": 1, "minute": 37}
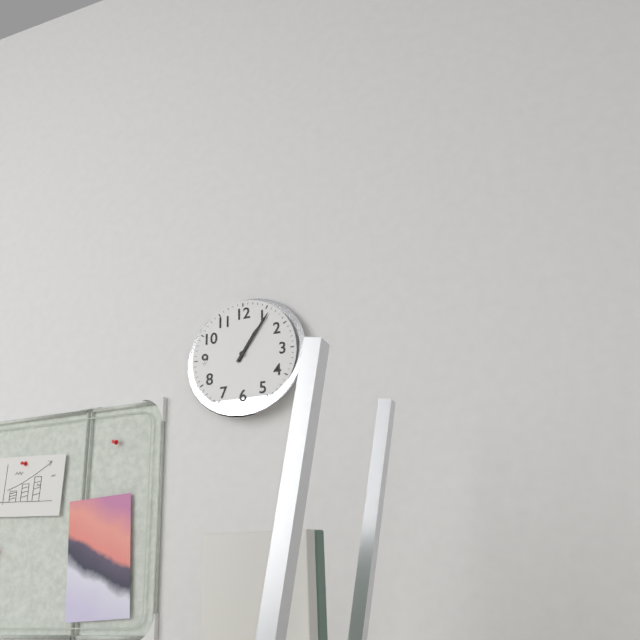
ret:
{"hour": 1, "minute": 6}
